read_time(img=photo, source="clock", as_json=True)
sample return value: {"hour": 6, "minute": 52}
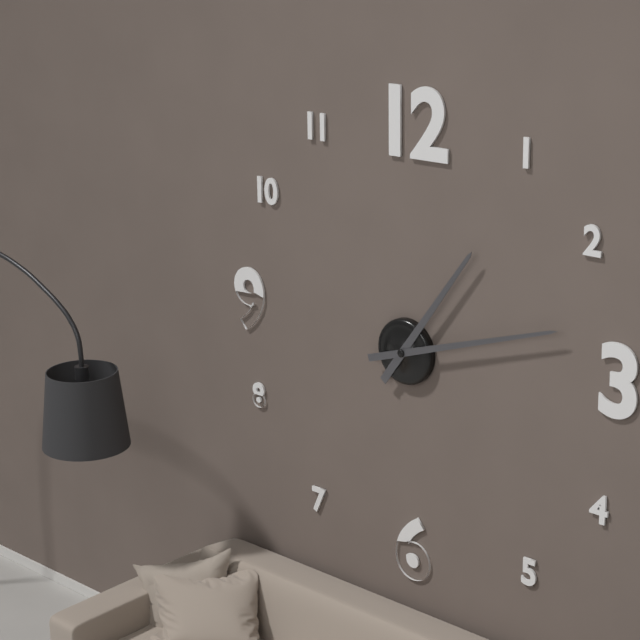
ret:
{"hour": 1, "minute": 12}
